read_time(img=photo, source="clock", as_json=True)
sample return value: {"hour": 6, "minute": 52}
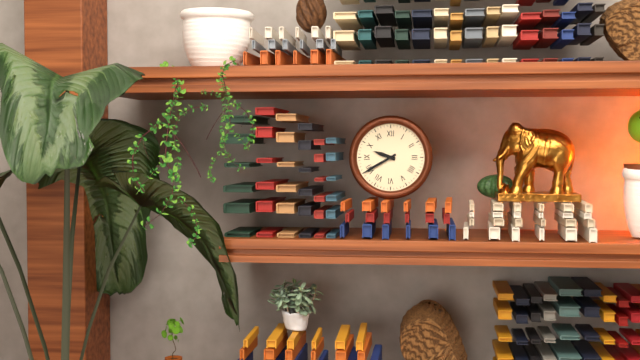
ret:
{"hour": 9, "minute": 40}
